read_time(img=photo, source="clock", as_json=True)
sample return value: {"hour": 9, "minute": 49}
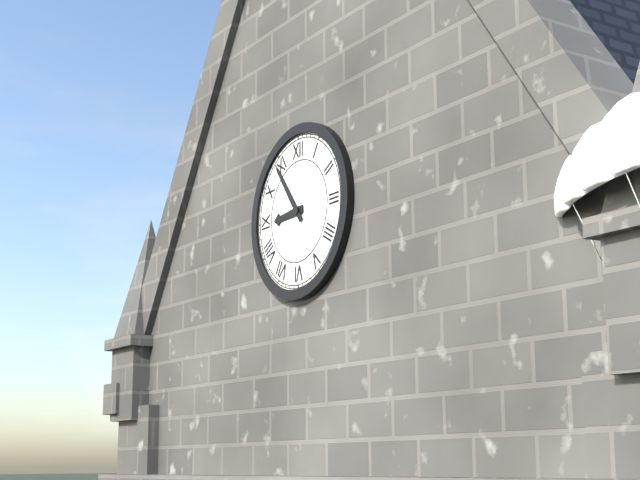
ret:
{"hour": 8, "minute": 54}
